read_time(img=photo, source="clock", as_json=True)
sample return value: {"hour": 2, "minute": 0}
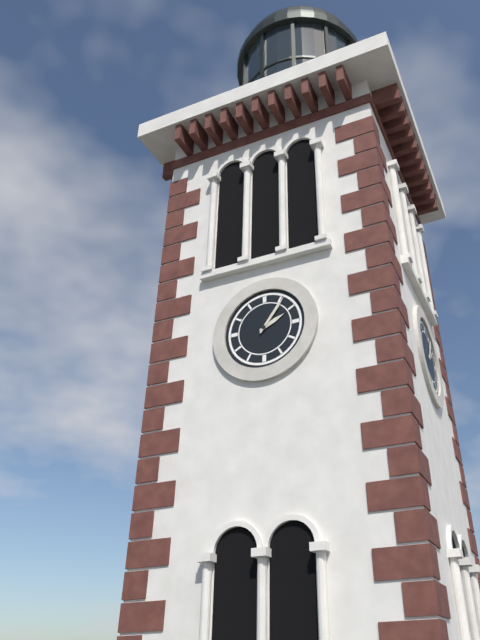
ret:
{"hour": 2, "minute": 6}
